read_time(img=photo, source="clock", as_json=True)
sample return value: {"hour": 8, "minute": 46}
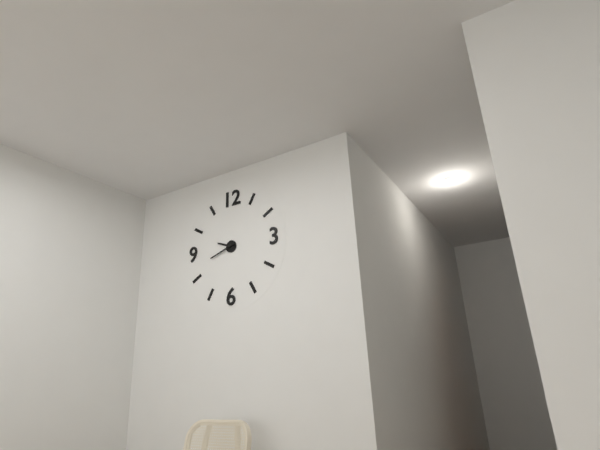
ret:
{"hour": 9, "minute": 42}
